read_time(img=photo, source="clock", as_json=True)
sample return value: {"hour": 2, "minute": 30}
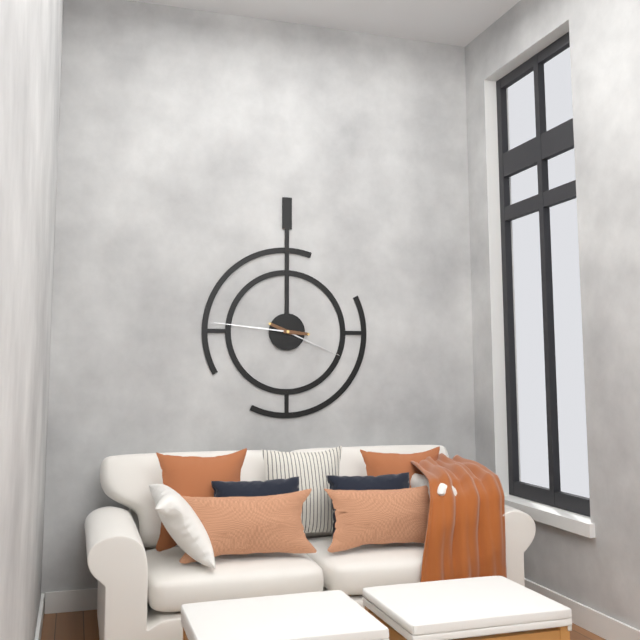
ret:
{"hour": 3, "minute": 46}
